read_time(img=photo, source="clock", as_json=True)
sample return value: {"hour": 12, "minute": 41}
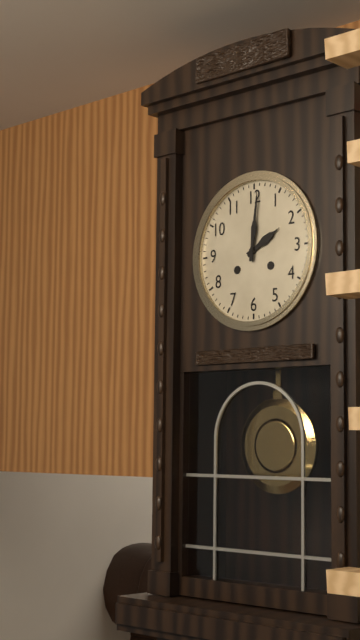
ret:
{"hour": 2, "minute": 1}
